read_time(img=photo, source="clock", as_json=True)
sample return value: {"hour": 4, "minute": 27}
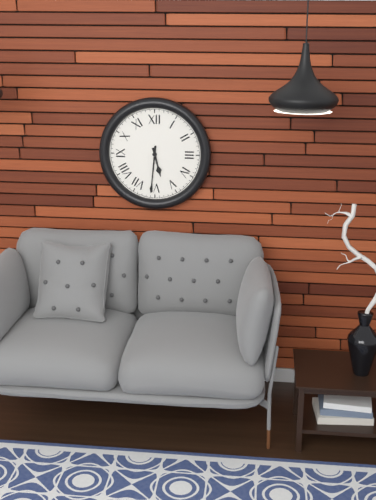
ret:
{"hour": 5, "minute": 31}
